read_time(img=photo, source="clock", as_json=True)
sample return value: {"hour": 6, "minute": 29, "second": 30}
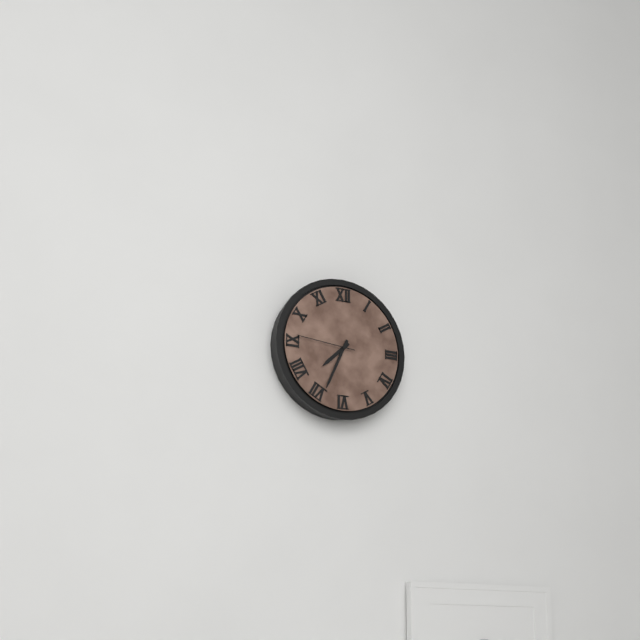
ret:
{"hour": 7, "minute": 34, "second": 46}
